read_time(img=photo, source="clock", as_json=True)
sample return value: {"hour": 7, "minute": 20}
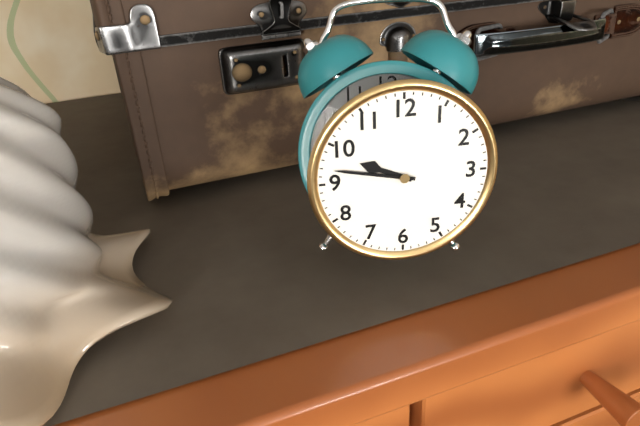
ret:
{"hour": 9, "minute": 47}
